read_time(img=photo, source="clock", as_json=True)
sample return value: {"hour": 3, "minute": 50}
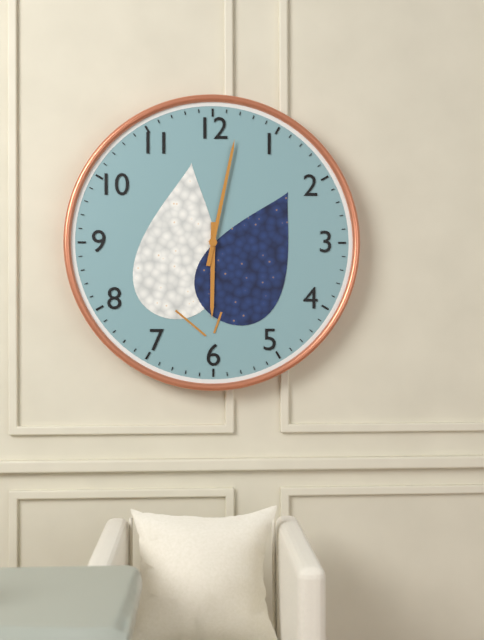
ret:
{"hour": 6, "minute": 2}
